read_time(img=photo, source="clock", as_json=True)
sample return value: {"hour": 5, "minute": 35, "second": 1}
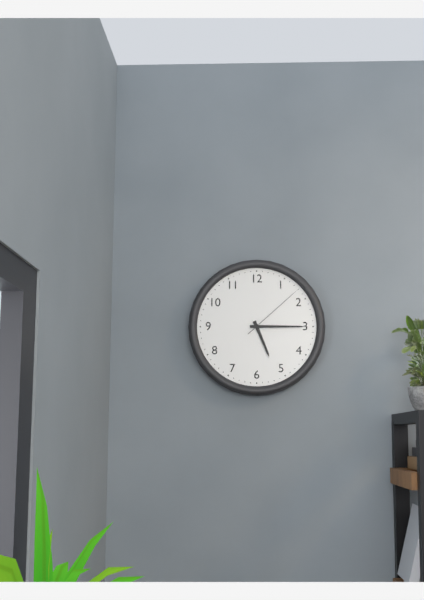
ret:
{"hour": 5, "minute": 15, "second": 8}
